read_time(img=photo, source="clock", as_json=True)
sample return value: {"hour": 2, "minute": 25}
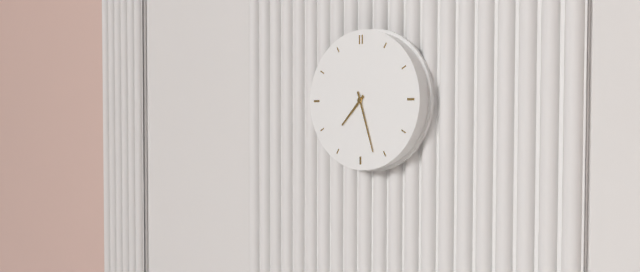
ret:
{"hour": 7, "minute": 27}
